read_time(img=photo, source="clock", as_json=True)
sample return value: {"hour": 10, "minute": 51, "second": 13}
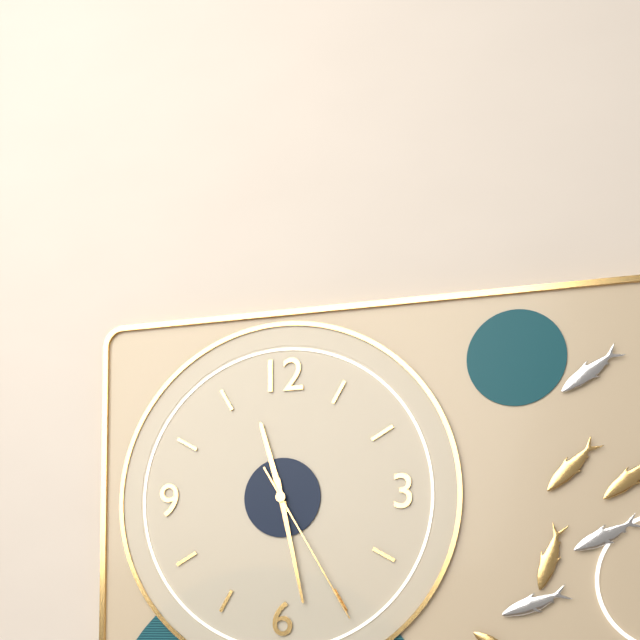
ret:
{"hour": 11, "minute": 28, "second": 25}
